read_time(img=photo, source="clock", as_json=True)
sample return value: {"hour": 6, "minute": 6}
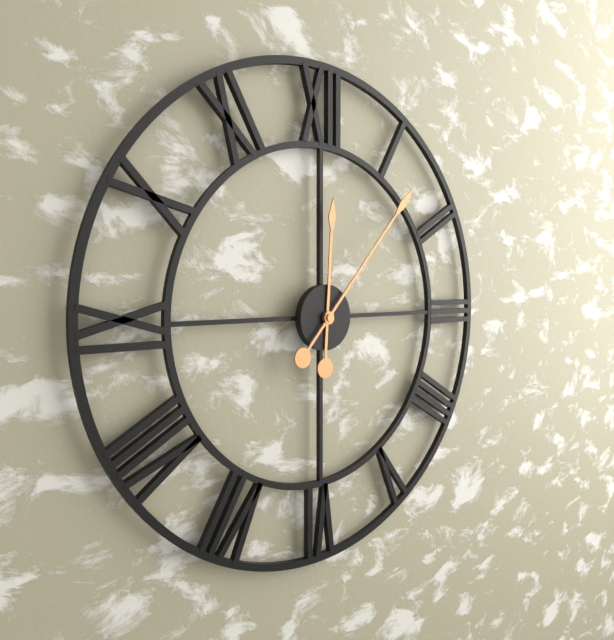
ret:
{"hour": 12, "minute": 7}
